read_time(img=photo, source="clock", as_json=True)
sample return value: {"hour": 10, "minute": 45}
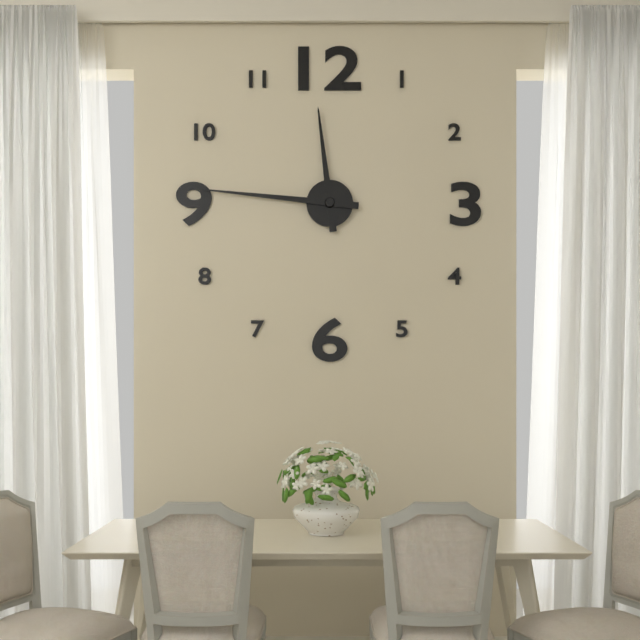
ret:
{"hour": 11, "minute": 46}
